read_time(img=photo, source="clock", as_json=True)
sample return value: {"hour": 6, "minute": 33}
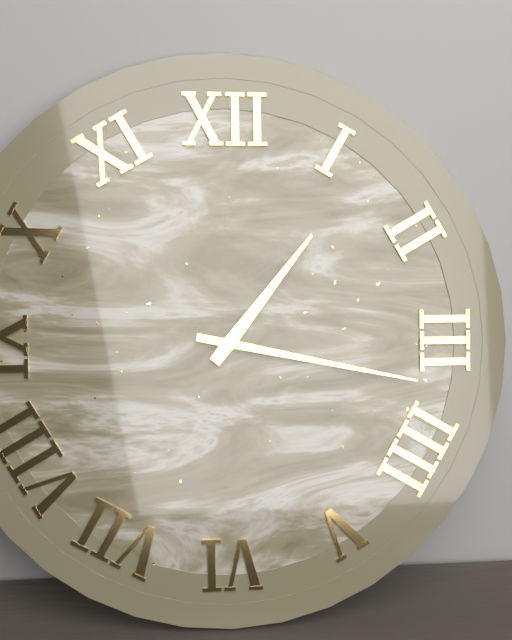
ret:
{"hour": 1, "minute": 17}
